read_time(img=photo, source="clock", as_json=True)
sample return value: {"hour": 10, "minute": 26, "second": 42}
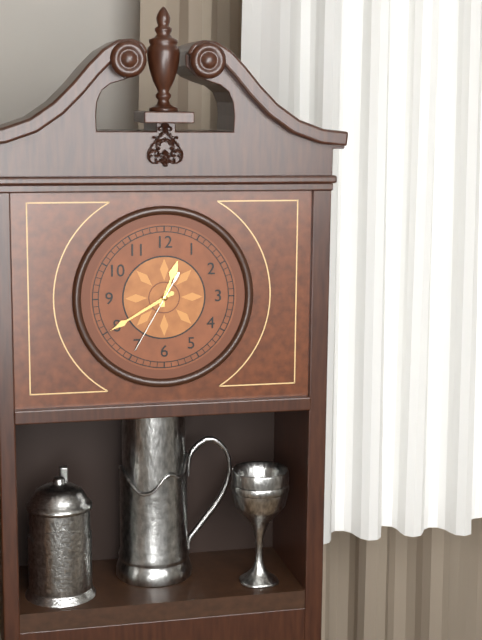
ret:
{"hour": 12, "minute": 40, "second": 35}
